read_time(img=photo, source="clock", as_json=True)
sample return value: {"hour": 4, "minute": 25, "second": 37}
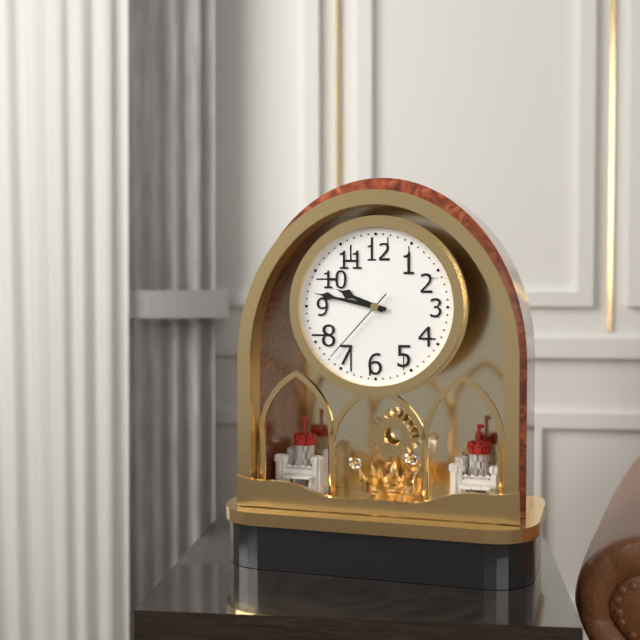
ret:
{"hour": 9, "minute": 47, "second": 37}
